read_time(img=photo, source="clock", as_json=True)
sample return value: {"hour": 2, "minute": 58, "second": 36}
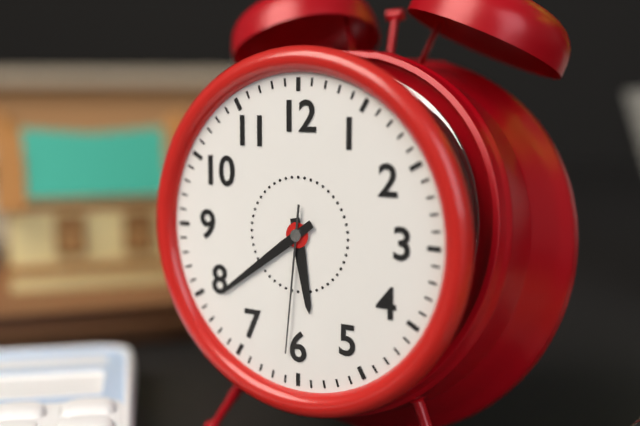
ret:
{"hour": 5, "minute": 39, "second": 31}
